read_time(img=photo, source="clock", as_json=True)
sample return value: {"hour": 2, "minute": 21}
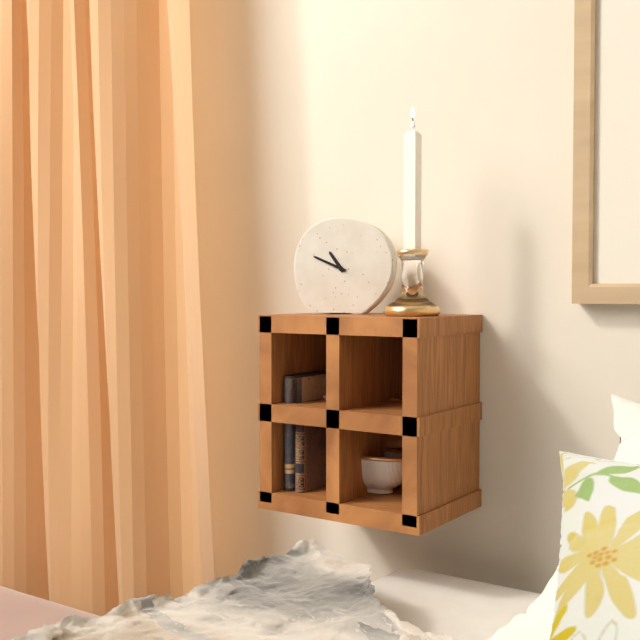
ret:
{"hour": 10, "minute": 49}
